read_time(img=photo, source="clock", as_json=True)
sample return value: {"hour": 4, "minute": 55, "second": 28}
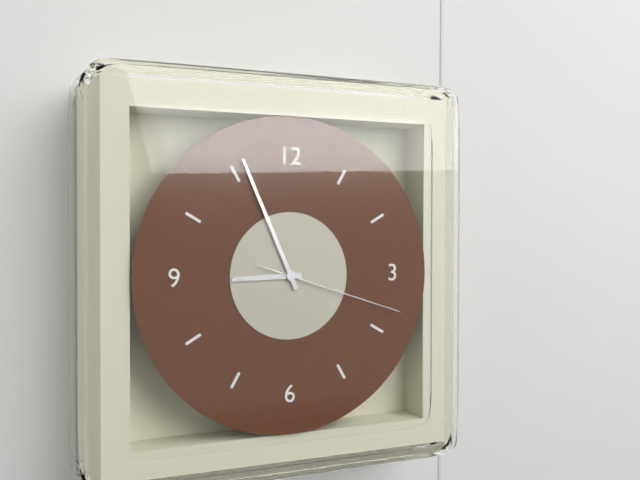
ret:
{"hour": 8, "minute": 56, "second": 18}
